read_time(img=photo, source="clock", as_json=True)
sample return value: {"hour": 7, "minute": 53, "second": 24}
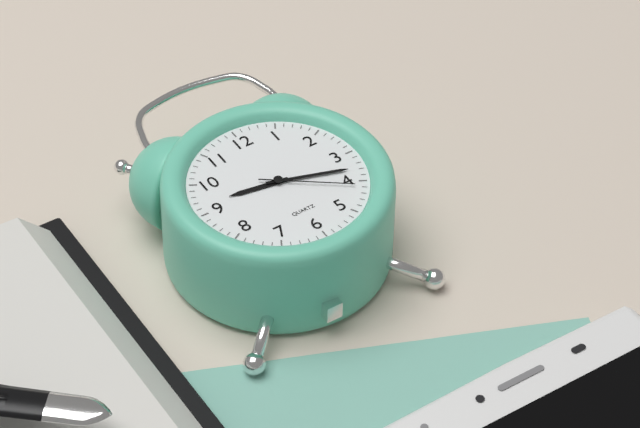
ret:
{"hour": 9, "minute": 18, "second": 21}
